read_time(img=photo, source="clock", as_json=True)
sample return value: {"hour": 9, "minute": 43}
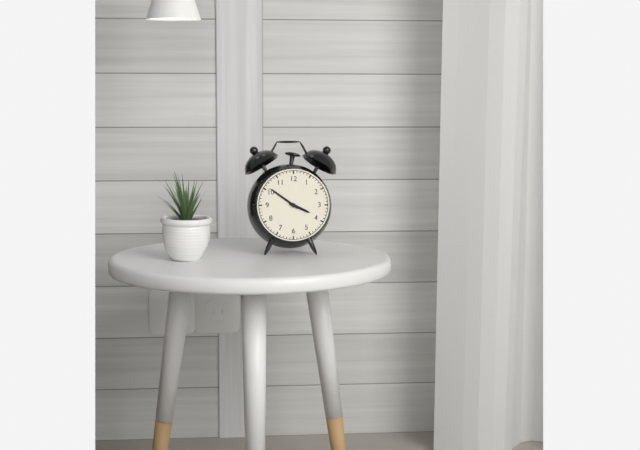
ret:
{"hour": 3, "minute": 51}
